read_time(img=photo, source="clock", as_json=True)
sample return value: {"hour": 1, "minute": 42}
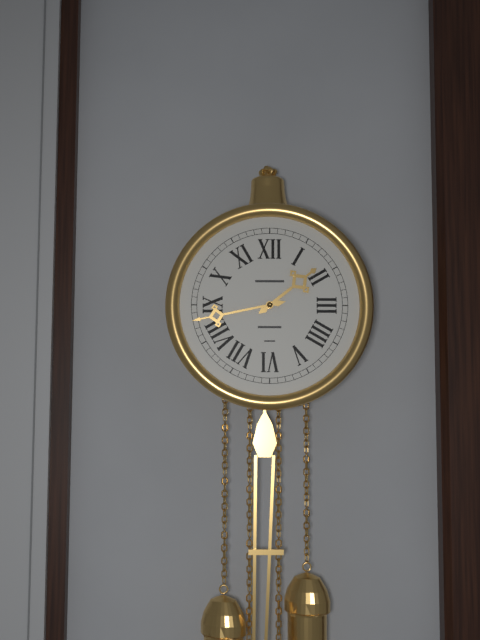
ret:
{"hour": 1, "minute": 43}
